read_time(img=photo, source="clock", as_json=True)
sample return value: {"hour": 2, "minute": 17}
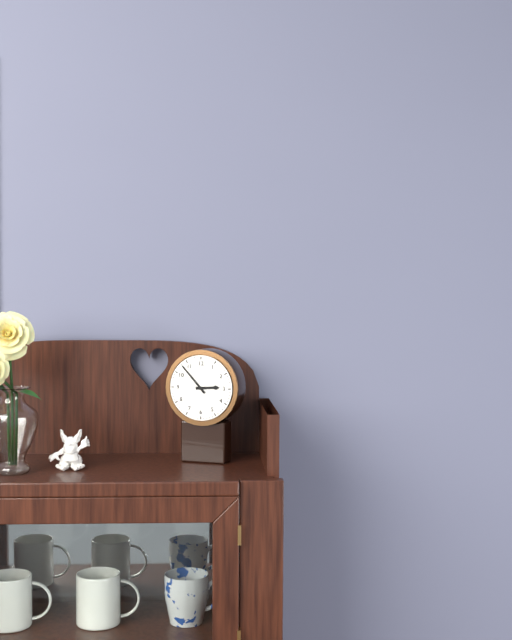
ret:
{"hour": 2, "minute": 53}
